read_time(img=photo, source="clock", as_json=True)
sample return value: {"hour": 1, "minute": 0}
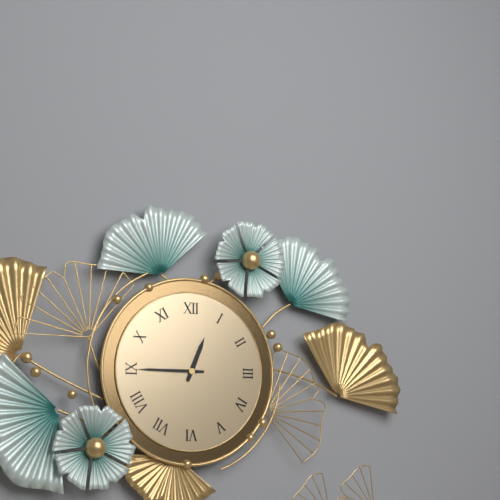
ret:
{"hour": 12, "minute": 45}
